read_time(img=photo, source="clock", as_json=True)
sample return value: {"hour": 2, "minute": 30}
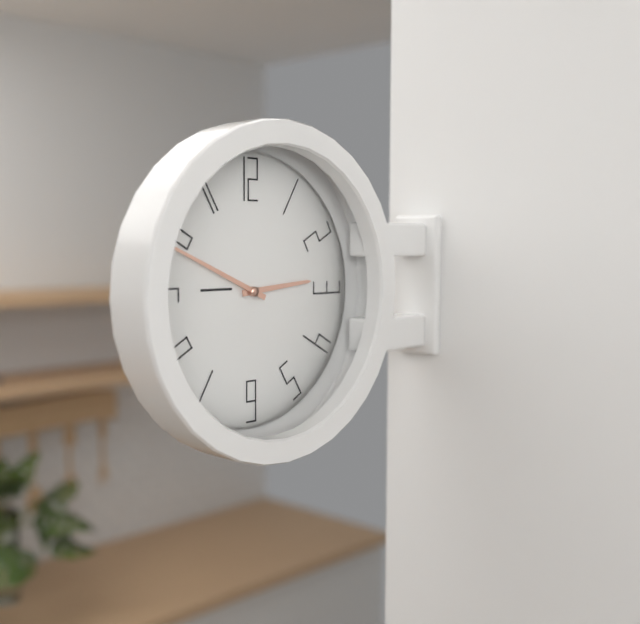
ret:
{"hour": 2, "minute": 49}
